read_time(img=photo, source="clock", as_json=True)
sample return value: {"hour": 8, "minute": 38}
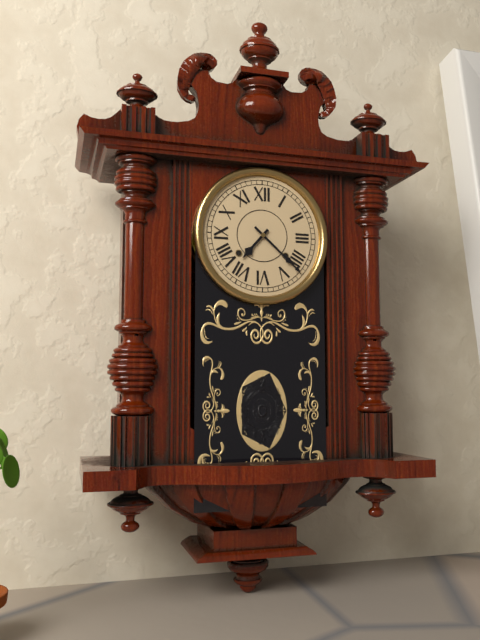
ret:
{"hour": 7, "minute": 22}
